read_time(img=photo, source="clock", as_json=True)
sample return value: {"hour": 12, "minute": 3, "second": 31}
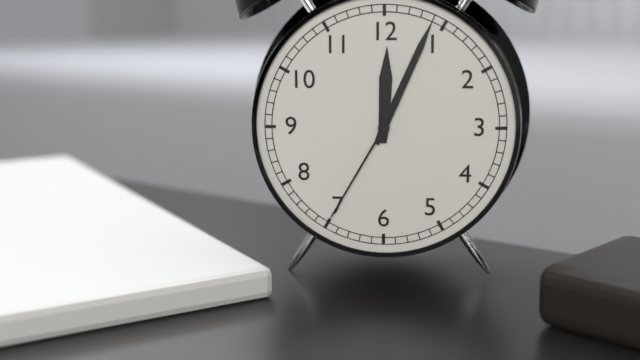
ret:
{"hour": 12, "minute": 4, "second": 35}
